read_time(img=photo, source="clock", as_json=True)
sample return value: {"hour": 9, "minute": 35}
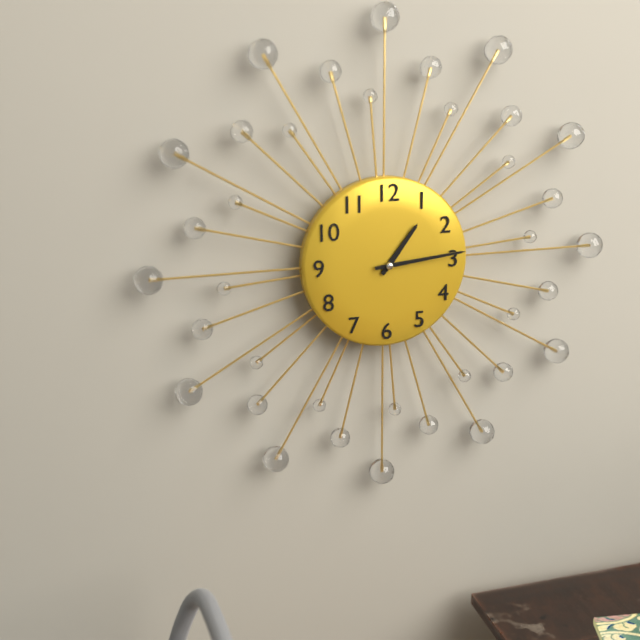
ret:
{"hour": 1, "minute": 14}
